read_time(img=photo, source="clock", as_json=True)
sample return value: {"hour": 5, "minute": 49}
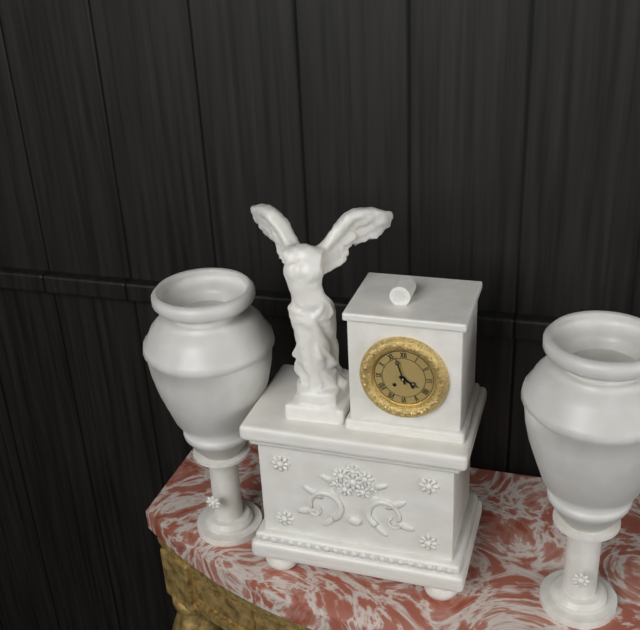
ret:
{"hour": 3, "minute": 57}
